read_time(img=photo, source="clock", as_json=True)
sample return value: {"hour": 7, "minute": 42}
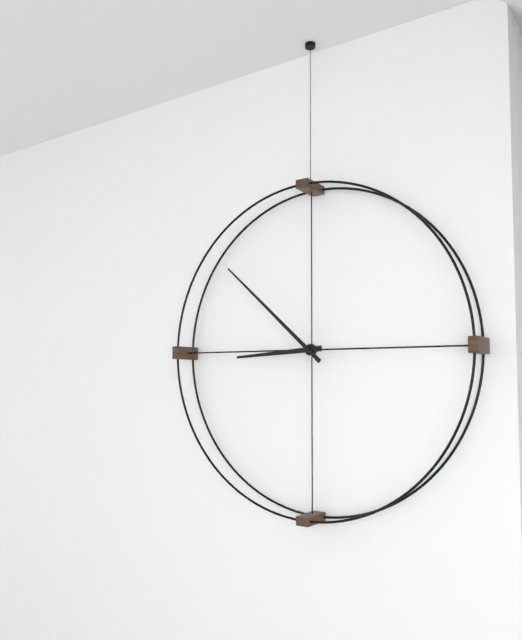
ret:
{"hour": 8, "minute": 52}
